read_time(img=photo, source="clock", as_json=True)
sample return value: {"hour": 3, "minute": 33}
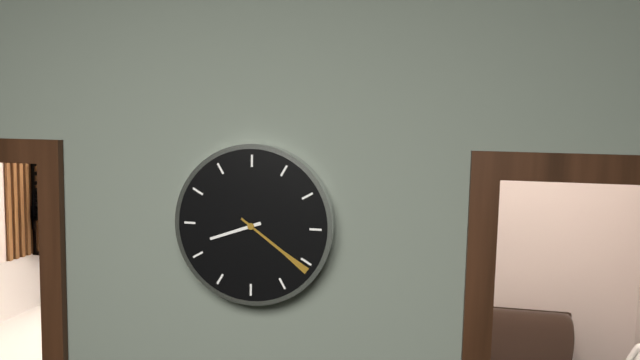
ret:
{"hour": 8, "minute": 21}
